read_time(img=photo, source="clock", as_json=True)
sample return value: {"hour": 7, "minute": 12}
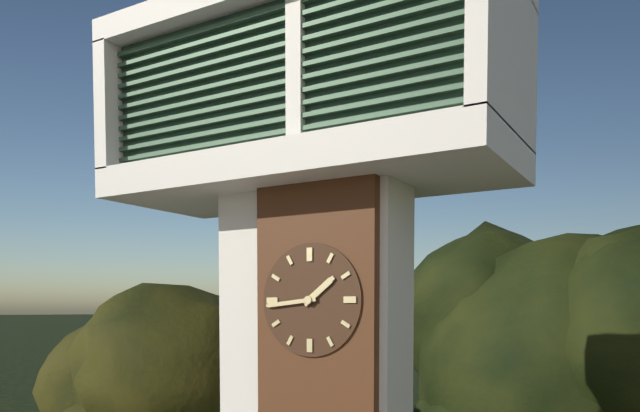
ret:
{"hour": 1, "minute": 44}
